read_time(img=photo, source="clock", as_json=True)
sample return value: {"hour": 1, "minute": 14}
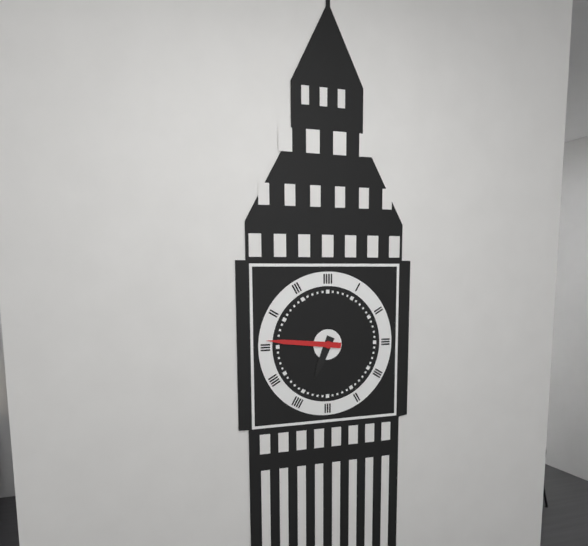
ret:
{"hour": 6, "minute": 46}
